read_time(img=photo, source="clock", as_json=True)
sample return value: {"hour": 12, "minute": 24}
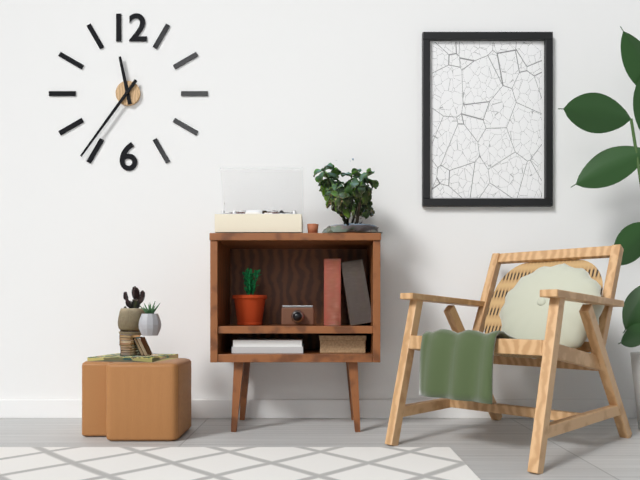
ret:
{"hour": 11, "minute": 36}
